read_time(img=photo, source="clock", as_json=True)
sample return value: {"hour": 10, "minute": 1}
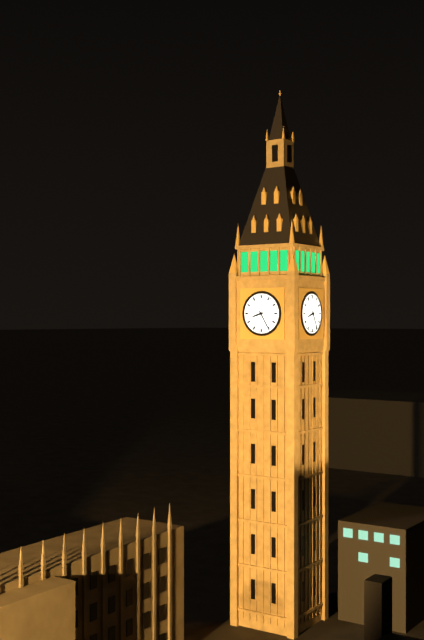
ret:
{"hour": 8, "minute": 25}
